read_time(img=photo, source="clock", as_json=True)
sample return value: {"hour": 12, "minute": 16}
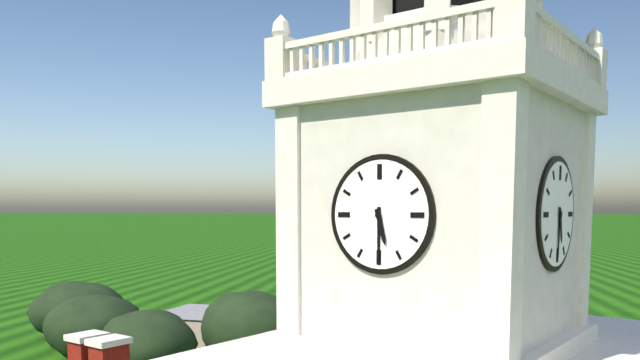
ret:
{"hour": 5, "minute": 30}
